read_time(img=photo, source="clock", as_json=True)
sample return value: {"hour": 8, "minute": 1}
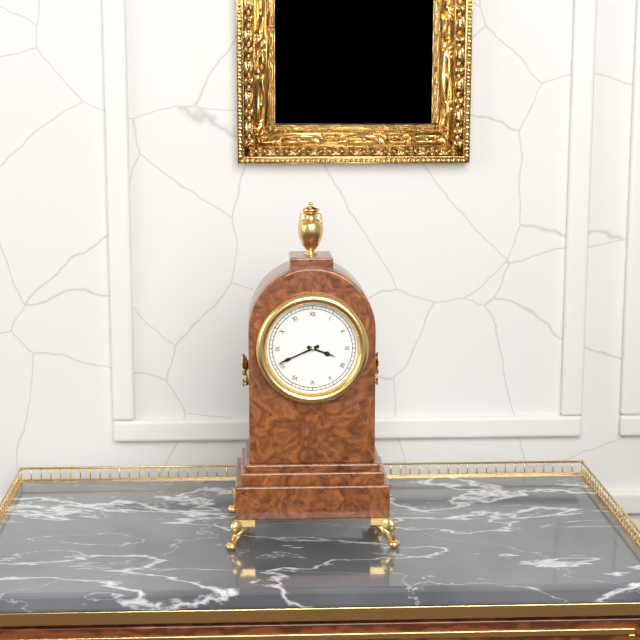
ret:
{"hour": 3, "minute": 41}
